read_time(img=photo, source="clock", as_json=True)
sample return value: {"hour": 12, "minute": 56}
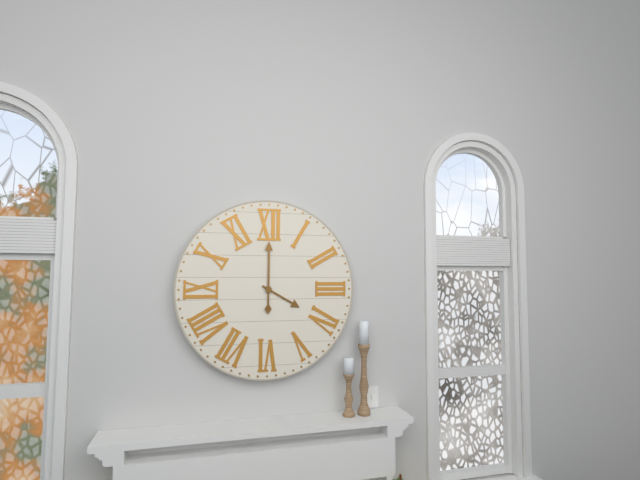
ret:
{"hour": 4, "minute": 0}
